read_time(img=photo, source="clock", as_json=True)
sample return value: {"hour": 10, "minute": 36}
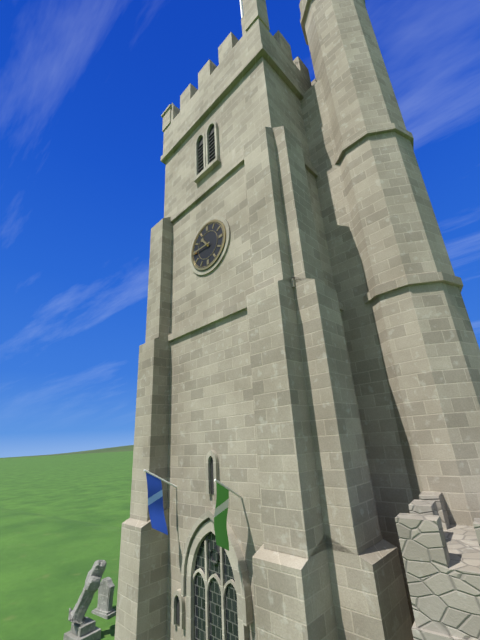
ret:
{"hour": 10, "minute": 45}
